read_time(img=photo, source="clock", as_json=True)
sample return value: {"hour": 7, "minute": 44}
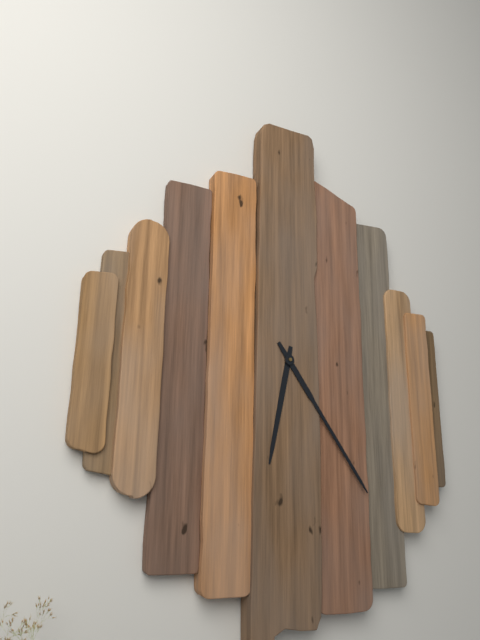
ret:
{"hour": 6, "minute": 24}
